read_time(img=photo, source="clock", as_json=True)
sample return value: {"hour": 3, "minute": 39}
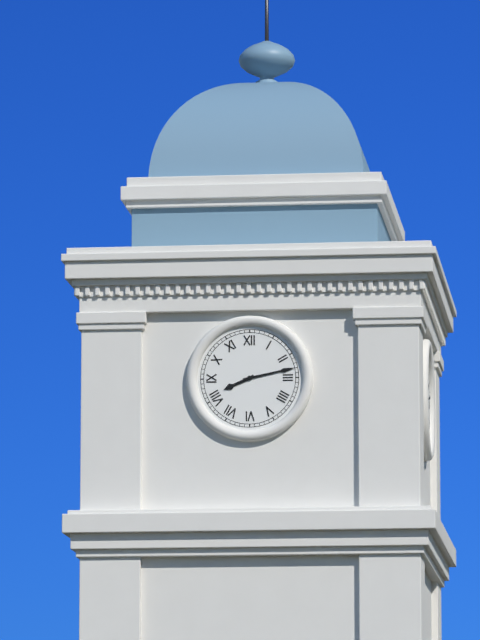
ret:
{"hour": 8, "minute": 13}
